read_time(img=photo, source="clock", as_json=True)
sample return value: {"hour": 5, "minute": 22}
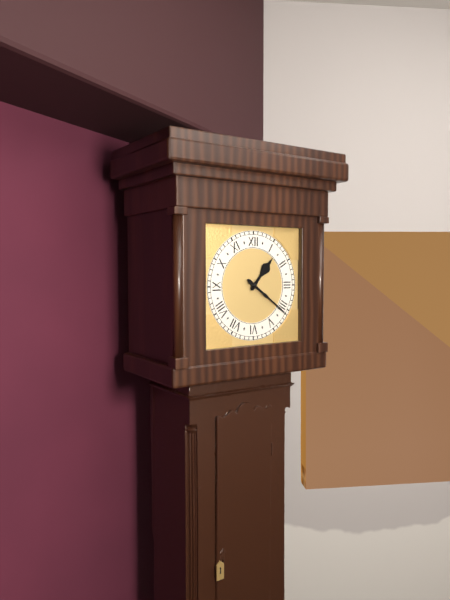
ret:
{"hour": 1, "minute": 21}
